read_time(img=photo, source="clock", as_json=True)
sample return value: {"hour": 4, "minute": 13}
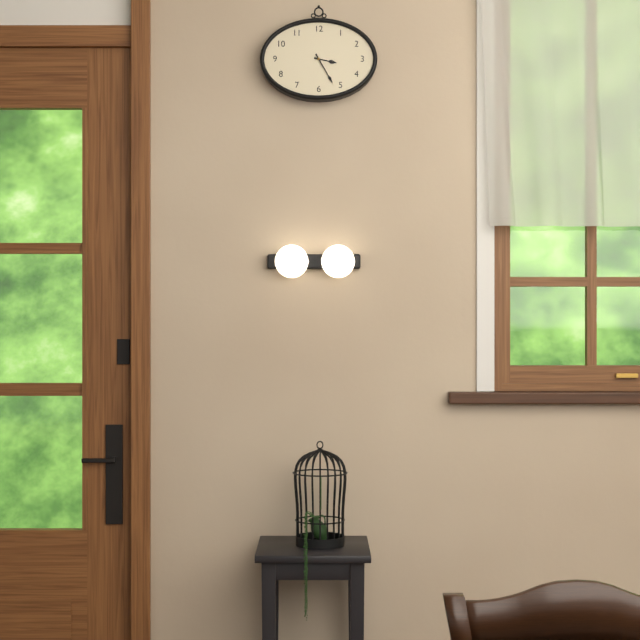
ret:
{"hour": 3, "minute": 25}
